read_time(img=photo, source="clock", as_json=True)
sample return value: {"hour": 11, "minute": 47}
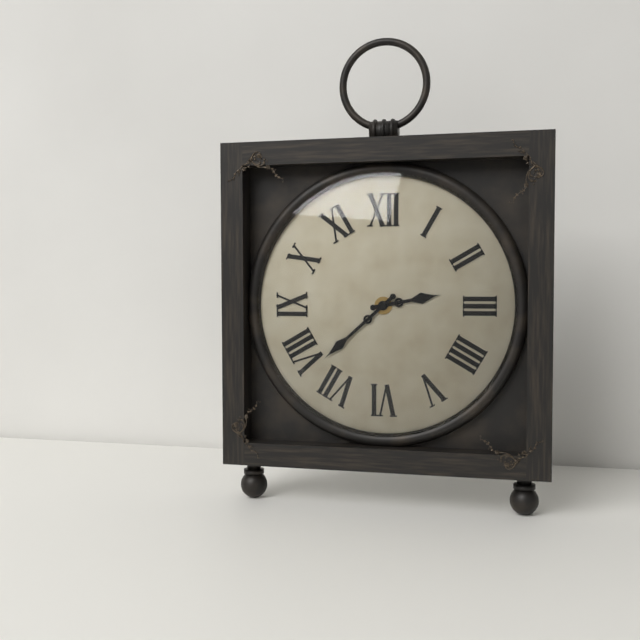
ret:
{"hour": 2, "minute": 38}
